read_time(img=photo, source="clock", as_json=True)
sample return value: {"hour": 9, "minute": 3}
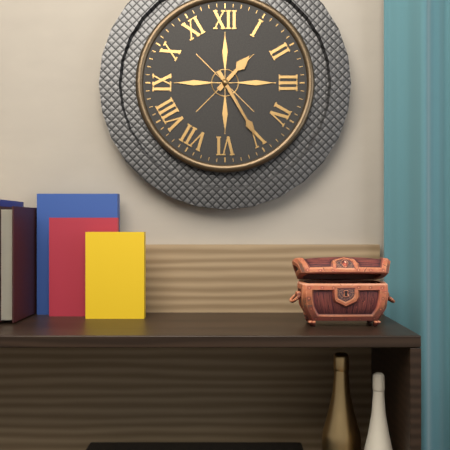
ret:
{"hour": 1, "minute": 25}
